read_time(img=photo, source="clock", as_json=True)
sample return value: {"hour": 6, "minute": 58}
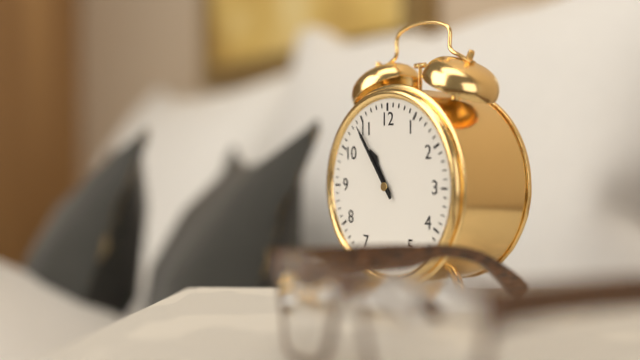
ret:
{"hour": 10, "minute": 54}
